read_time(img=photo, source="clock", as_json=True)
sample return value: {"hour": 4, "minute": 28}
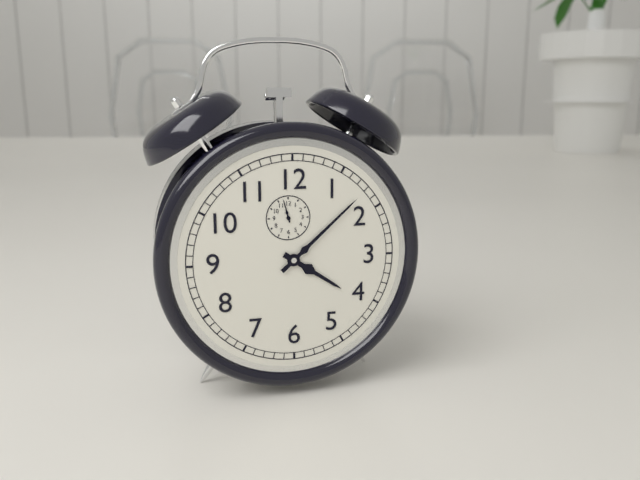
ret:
{"hour": 4, "minute": 8}
